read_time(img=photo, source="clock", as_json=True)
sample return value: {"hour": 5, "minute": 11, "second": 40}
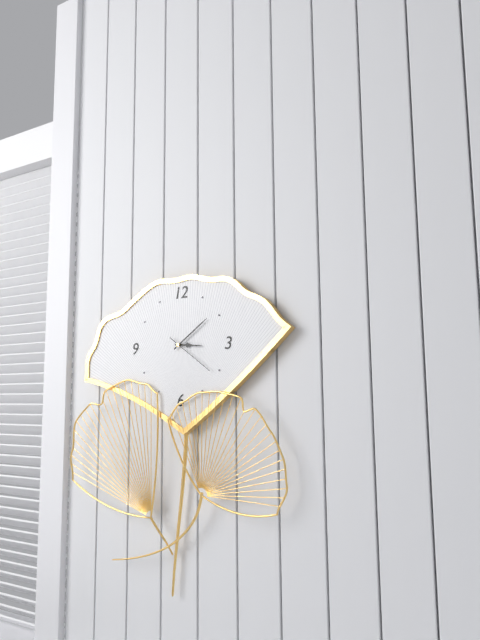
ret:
{"hour": 3, "minute": 9, "second": 21}
